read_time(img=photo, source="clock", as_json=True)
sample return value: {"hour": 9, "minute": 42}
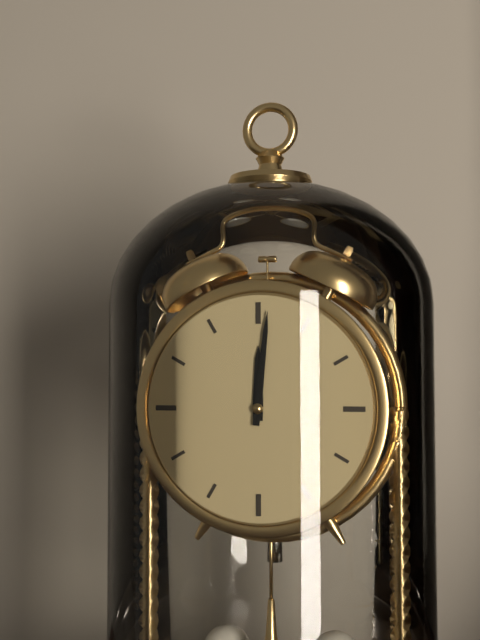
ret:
{"hour": 12, "minute": 1}
